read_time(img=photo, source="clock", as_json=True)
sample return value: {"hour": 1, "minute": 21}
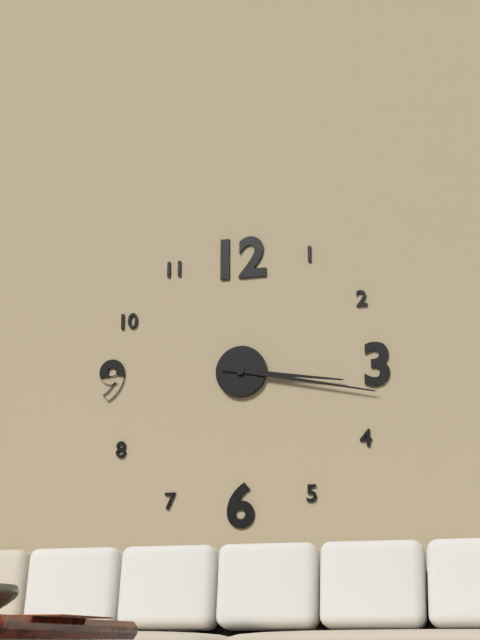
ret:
{"hour": 3, "minute": 17}
